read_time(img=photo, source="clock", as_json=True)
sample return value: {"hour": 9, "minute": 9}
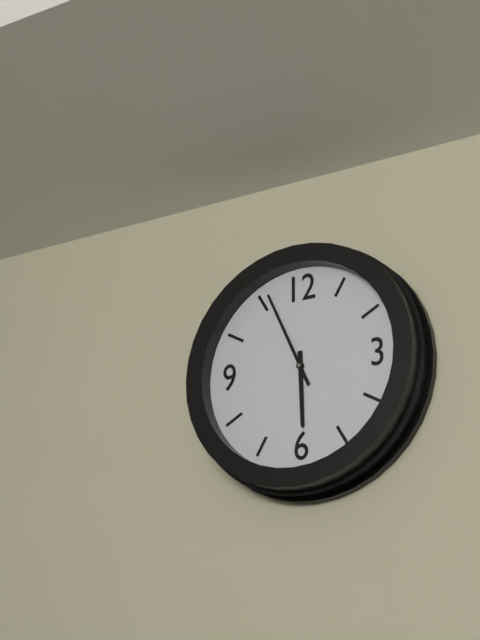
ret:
{"hour": 5, "minute": 56}
